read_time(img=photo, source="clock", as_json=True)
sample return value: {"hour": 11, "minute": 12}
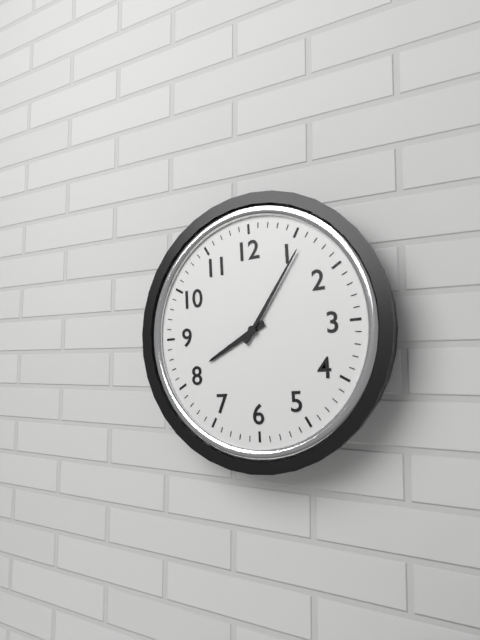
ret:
{"hour": 8, "minute": 6}
